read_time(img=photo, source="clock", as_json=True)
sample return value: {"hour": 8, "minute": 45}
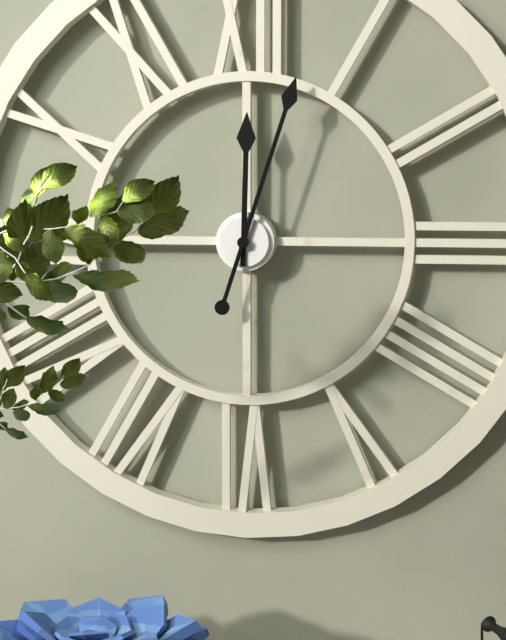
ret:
{"hour": 12, "minute": 3}
